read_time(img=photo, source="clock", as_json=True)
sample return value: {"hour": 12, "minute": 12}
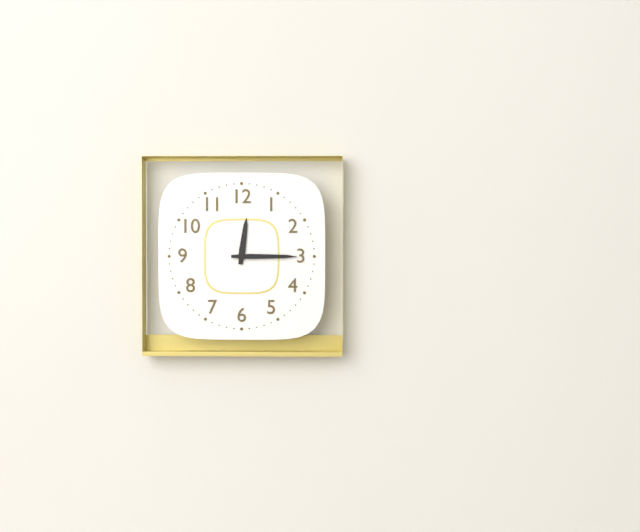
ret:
{"hour": 12, "minute": 15}
